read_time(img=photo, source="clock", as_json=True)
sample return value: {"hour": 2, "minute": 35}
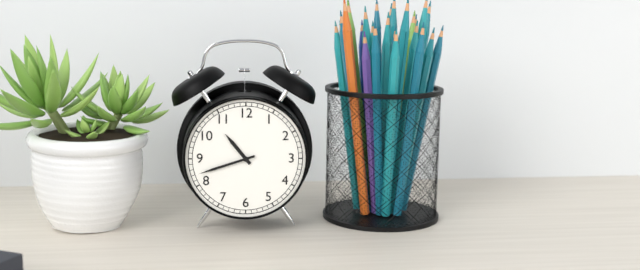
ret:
{"hour": 10, "minute": 42}
